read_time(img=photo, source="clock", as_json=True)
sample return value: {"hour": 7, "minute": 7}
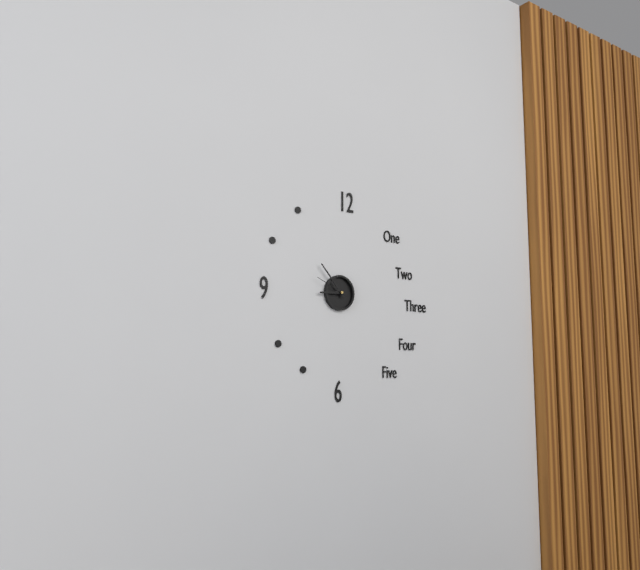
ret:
{"hour": 8, "minute": 53}
